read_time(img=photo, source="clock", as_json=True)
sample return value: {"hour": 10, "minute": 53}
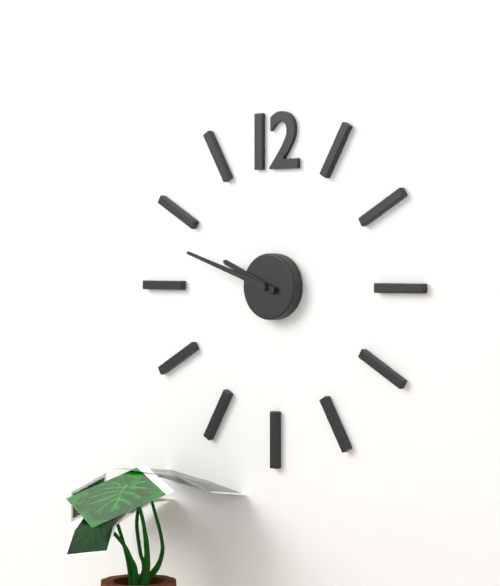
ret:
{"hour": 9, "minute": 48}
